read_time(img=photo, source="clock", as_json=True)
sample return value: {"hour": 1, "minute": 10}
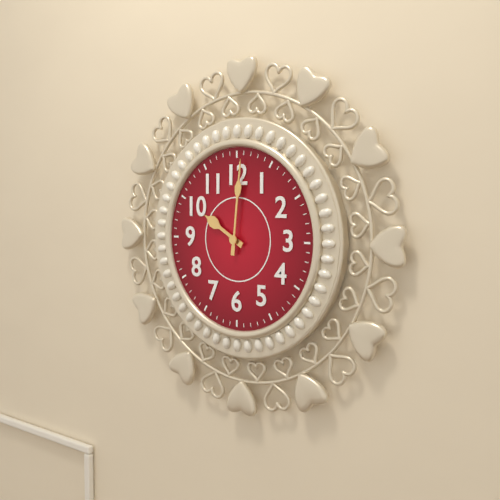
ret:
{"hour": 10, "minute": 1}
